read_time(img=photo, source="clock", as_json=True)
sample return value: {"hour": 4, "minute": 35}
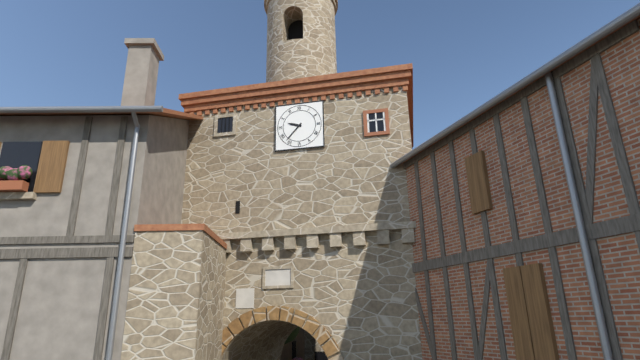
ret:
{"hour": 9, "minute": 37}
